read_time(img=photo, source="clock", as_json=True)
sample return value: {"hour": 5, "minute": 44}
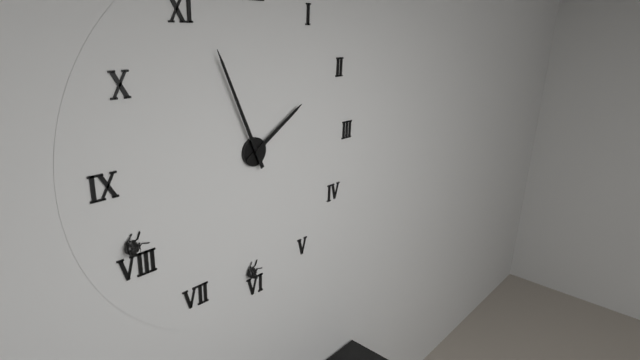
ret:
{"hour": 1, "minute": 56}
